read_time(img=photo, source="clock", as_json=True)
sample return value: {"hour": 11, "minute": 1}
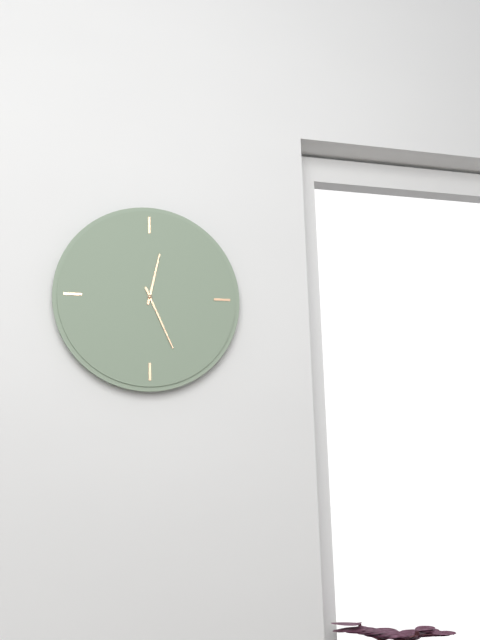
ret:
{"hour": 12, "minute": 26}
